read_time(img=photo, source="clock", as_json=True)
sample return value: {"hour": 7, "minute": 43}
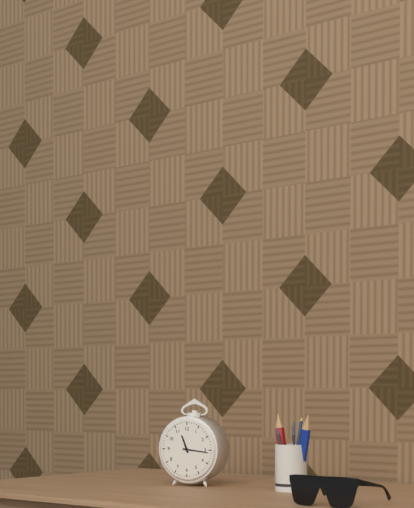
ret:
{"hour": 11, "minute": 16}
